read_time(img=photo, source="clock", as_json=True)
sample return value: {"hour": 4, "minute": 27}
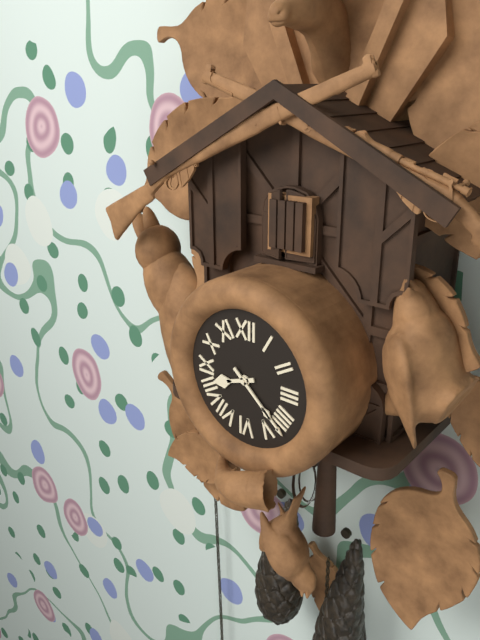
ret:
{"hour": 8, "minute": 22}
